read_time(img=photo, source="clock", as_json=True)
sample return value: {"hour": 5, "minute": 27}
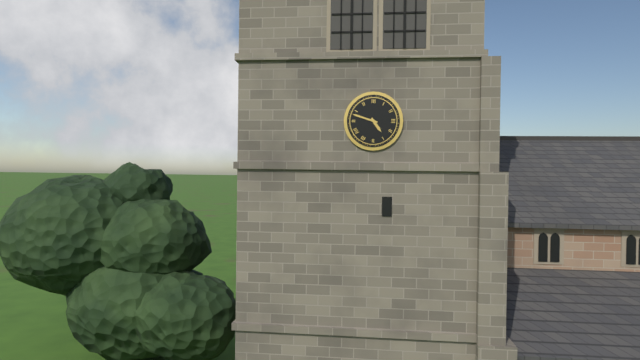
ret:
{"hour": 4, "minute": 48}
